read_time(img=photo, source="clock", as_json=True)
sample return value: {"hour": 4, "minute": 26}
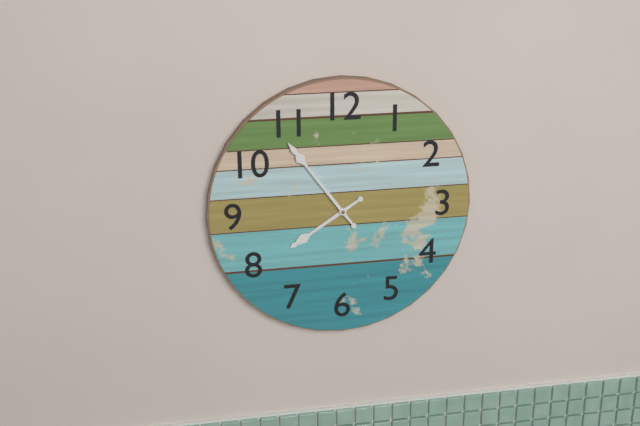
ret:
{"hour": 7, "minute": 54}
